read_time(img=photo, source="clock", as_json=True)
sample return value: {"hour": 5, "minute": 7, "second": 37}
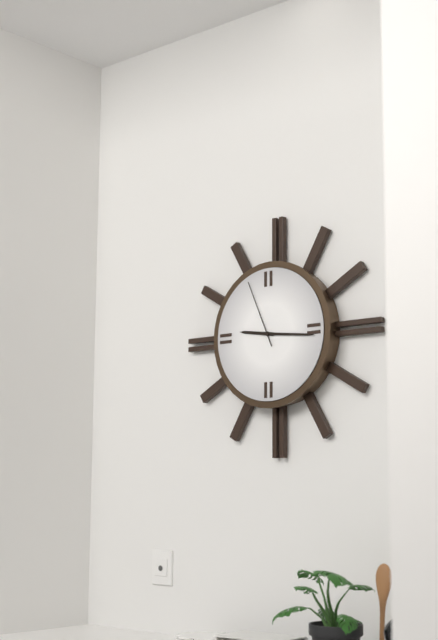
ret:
{"hour": 9, "minute": 16, "second": 56}
